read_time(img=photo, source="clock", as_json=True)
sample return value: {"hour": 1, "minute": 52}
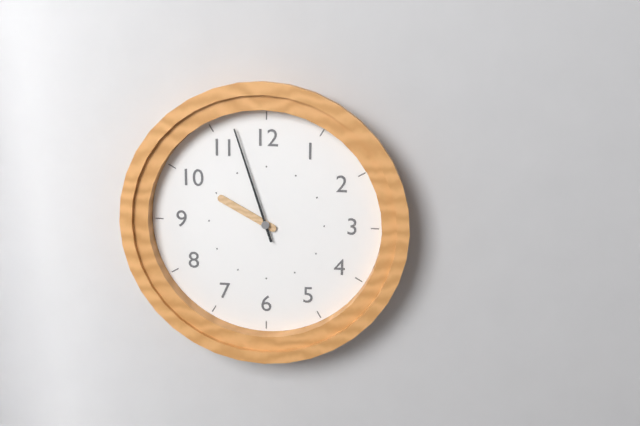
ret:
{"hour": 9, "minute": 57}
